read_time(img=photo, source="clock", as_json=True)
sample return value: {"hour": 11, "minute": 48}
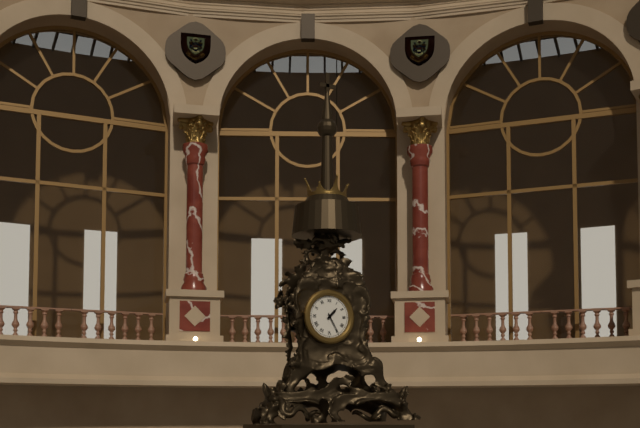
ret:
{"hour": 1, "minute": 25}
